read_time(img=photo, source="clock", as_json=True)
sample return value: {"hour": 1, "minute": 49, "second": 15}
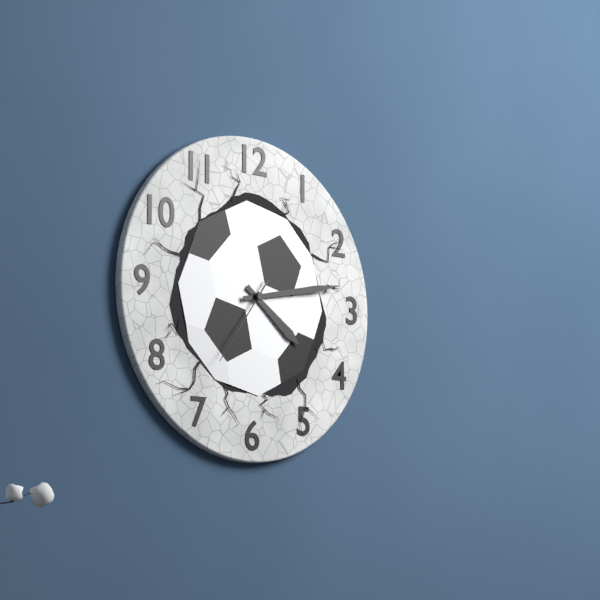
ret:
{"hour": 4, "minute": 13, "second": 36}
